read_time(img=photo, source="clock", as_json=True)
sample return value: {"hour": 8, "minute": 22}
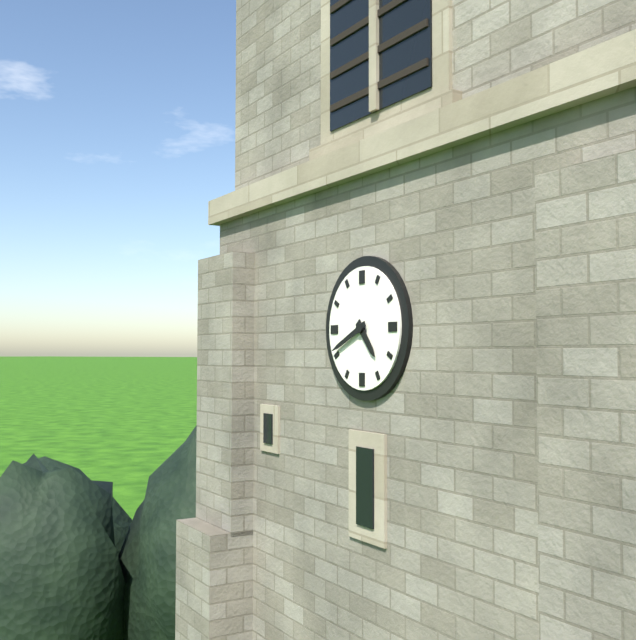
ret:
{"hour": 4, "minute": 41}
